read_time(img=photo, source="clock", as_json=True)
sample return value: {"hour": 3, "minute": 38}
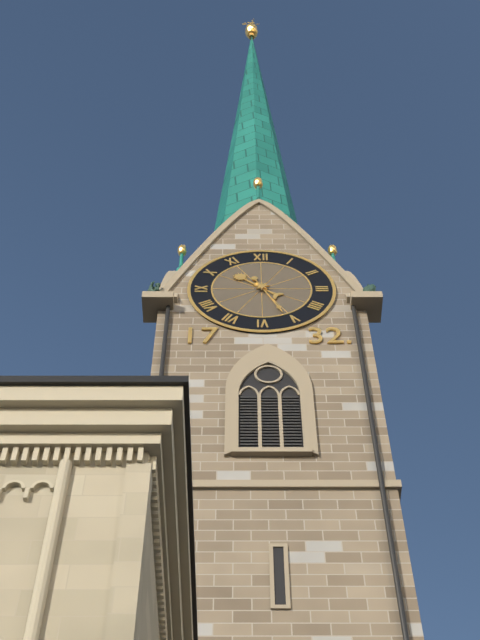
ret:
{"hour": 10, "minute": 26}
